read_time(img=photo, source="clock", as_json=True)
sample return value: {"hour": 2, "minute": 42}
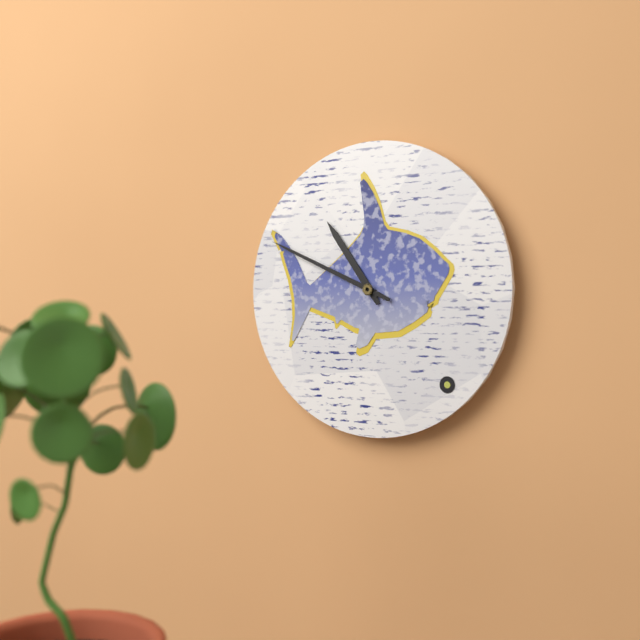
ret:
{"hour": 10, "minute": 49}
